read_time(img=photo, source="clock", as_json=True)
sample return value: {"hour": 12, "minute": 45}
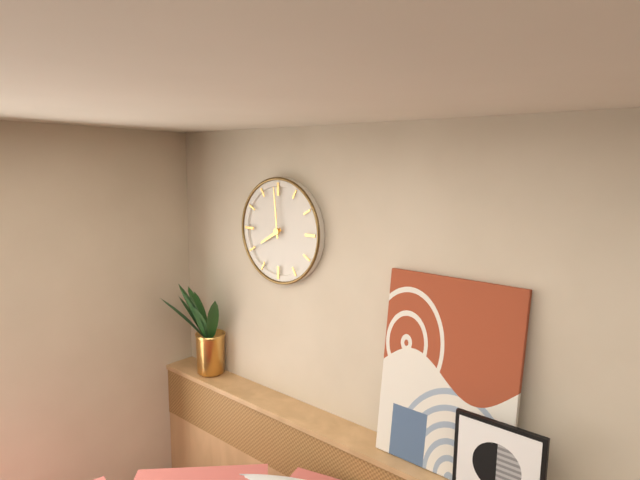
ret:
{"hour": 7, "minute": 59}
